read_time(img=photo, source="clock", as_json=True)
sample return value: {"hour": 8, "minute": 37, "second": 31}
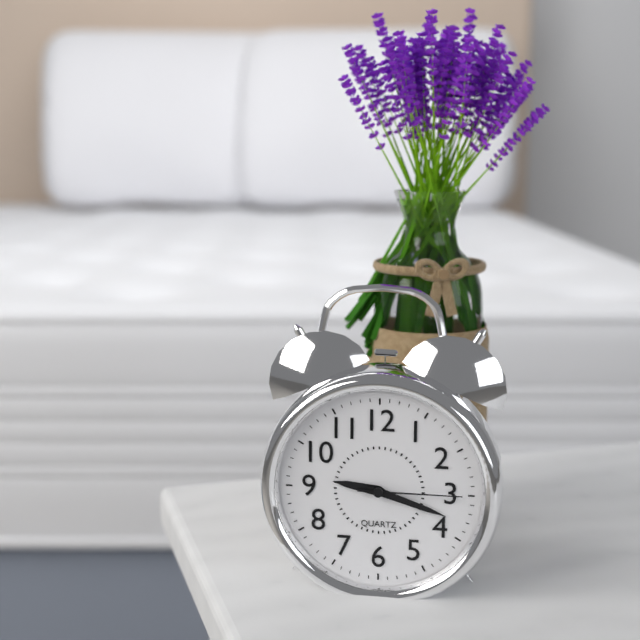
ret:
{"hour": 9, "minute": 18, "second": 15}
